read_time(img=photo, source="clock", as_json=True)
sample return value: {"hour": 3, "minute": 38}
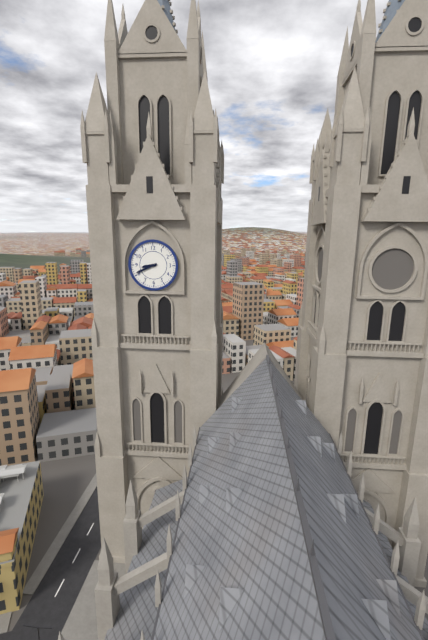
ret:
{"hour": 8, "minute": 41}
